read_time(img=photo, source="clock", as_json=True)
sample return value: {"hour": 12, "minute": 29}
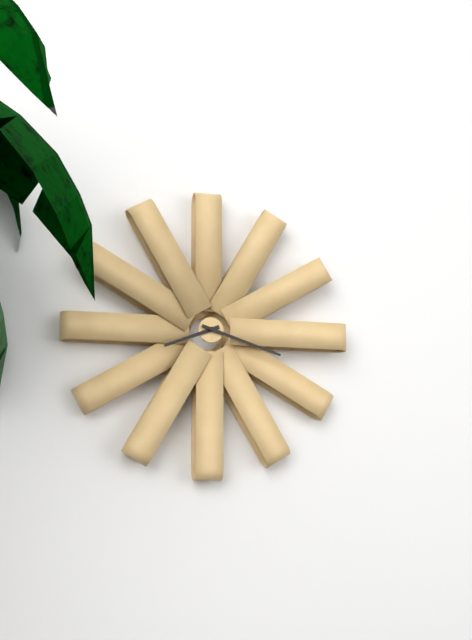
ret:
{"hour": 8, "minute": 18}
